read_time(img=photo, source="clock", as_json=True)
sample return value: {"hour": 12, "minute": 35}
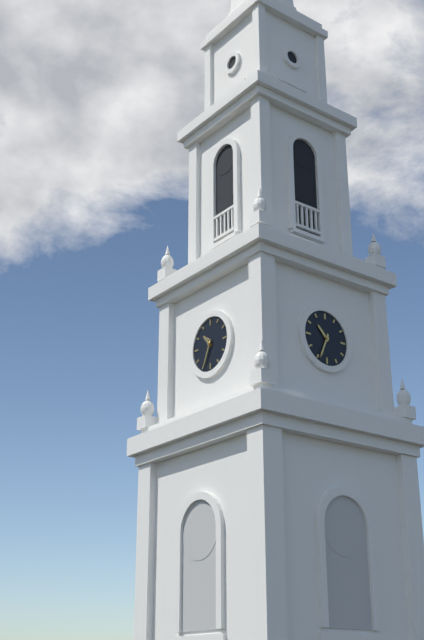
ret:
{"hour": 10, "minute": 34}
